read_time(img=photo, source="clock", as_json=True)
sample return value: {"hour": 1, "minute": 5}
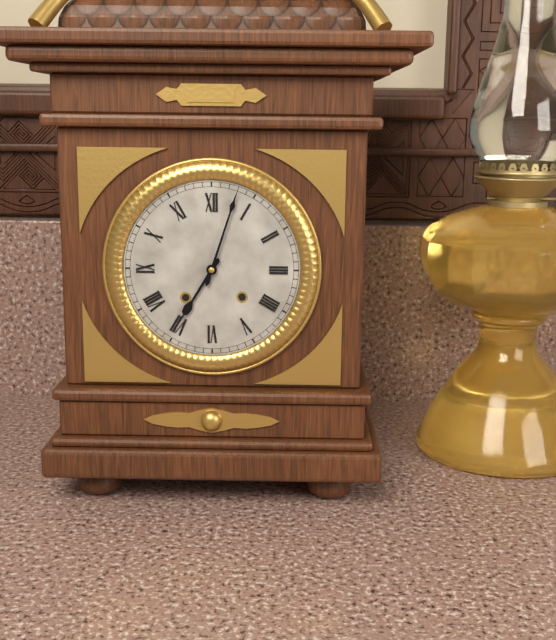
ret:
{"hour": 7, "minute": 3}
